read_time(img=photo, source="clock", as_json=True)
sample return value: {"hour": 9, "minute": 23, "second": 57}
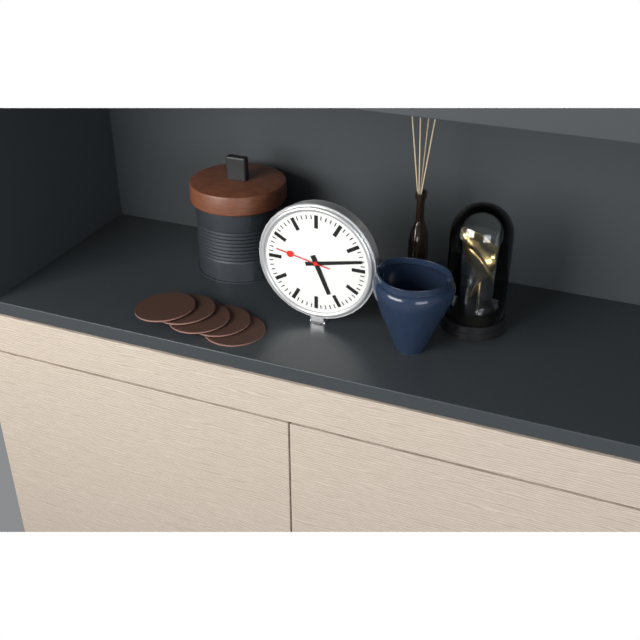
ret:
{"hour": 5, "minute": 13, "second": 47}
